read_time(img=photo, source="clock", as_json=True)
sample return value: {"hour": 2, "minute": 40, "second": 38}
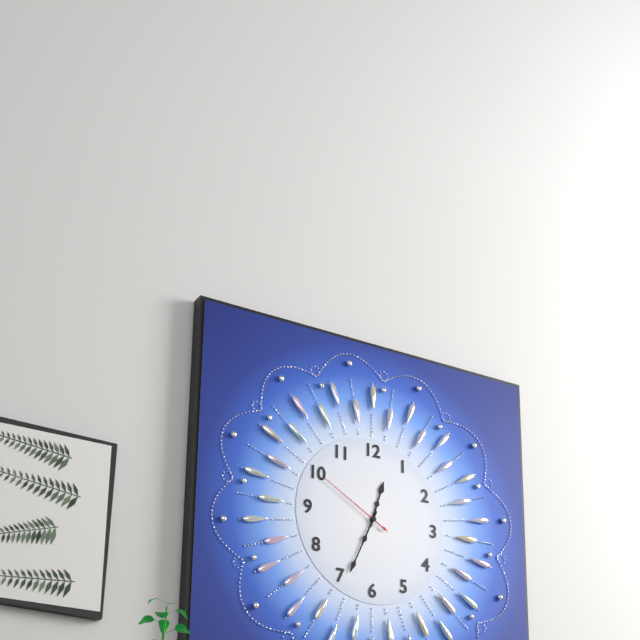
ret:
{"hour": 12, "minute": 34, "second": 50}
